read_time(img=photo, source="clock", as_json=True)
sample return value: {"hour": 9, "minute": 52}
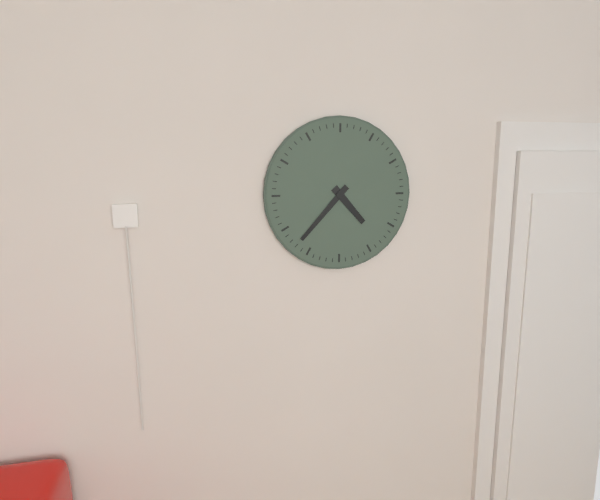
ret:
{"hour": 4, "minute": 37}
